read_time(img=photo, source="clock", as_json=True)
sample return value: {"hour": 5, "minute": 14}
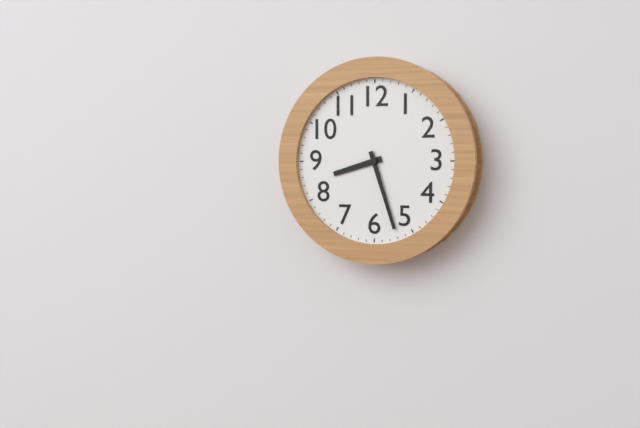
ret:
{"hour": 8, "minute": 27}
